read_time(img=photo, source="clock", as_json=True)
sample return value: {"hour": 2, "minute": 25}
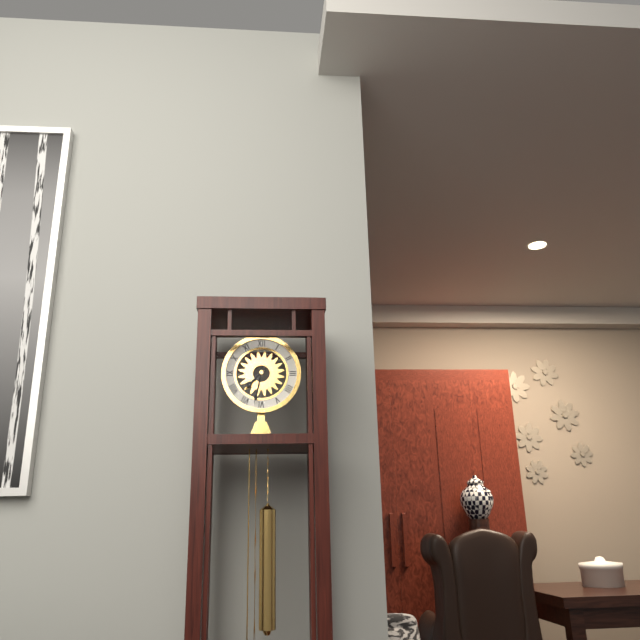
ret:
{"hour": 7, "minute": 32}
